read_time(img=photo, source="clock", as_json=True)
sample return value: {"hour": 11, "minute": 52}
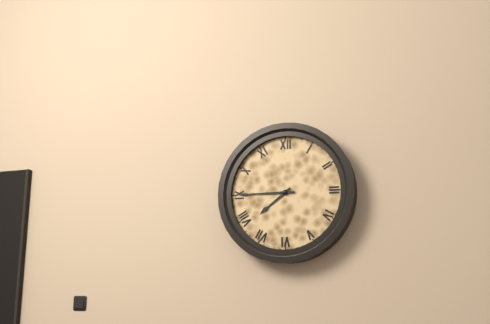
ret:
{"hour": 7, "minute": 45}
